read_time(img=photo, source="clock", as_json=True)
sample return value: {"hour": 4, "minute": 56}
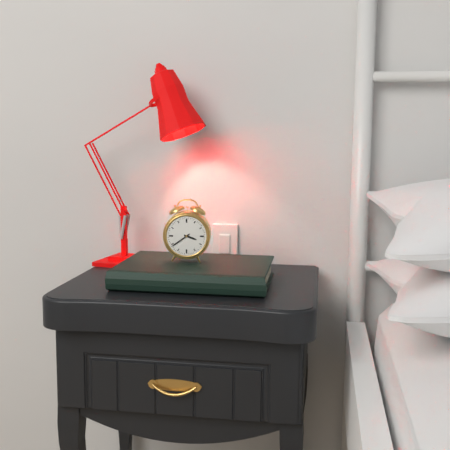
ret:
{"hour": 3, "minute": 39}
